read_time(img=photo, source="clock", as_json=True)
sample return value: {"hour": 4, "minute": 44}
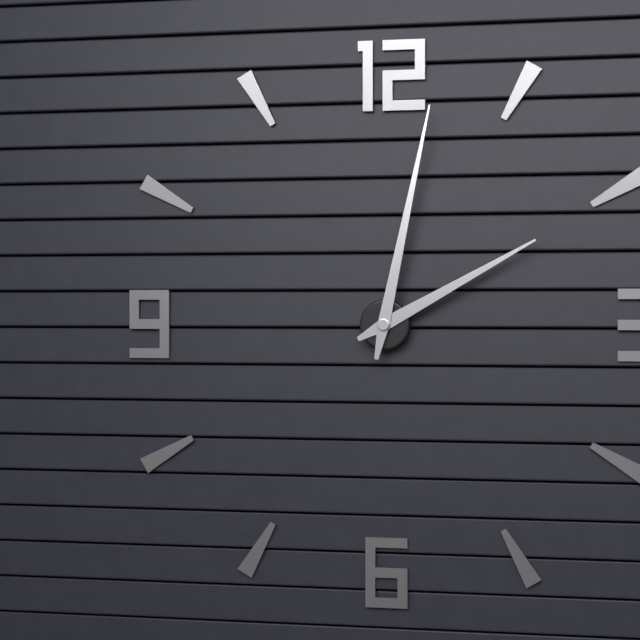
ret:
{"hour": 2, "minute": 2}
